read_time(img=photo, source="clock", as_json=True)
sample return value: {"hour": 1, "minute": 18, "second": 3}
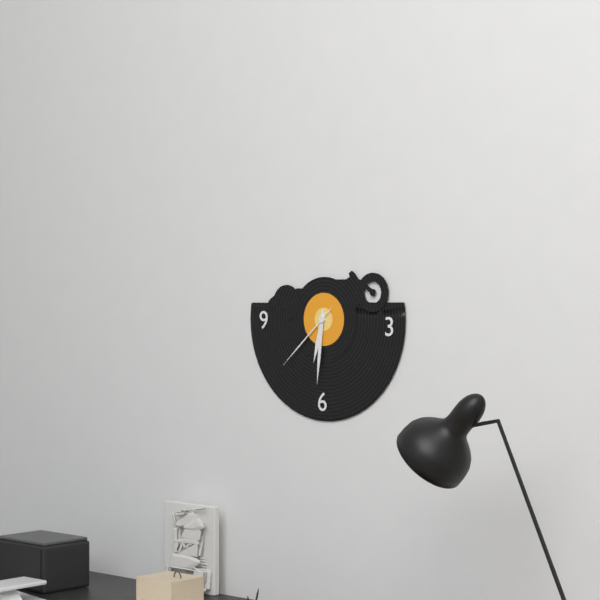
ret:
{"hour": 6, "minute": 31, "second": 38}
